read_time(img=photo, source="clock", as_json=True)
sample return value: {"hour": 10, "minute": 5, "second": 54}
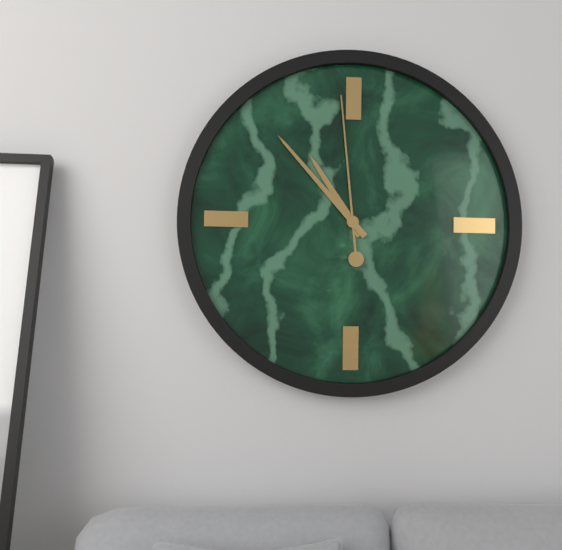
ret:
{"hour": 10, "minute": 53, "second": 59}
